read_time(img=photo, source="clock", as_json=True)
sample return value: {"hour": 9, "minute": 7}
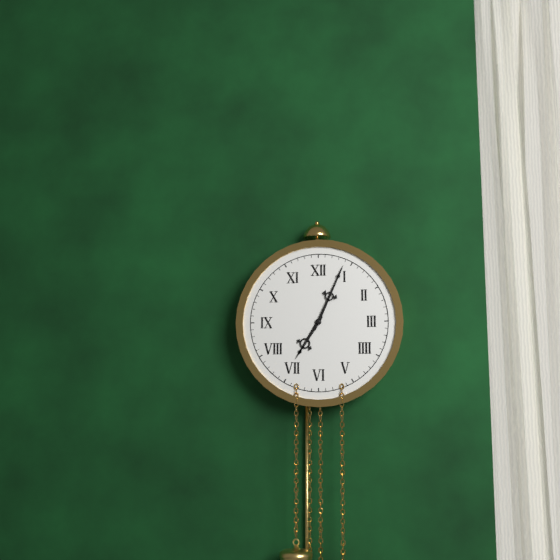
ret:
{"hour": 7, "minute": 4}
